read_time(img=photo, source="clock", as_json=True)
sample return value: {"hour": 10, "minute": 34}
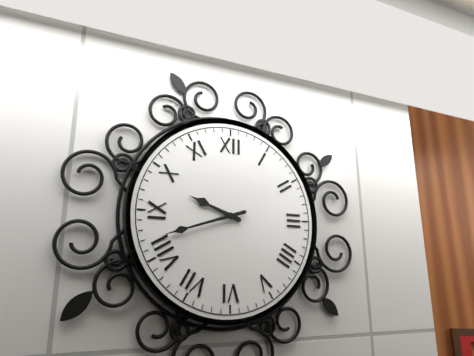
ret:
{"hour": 9, "minute": 42}
